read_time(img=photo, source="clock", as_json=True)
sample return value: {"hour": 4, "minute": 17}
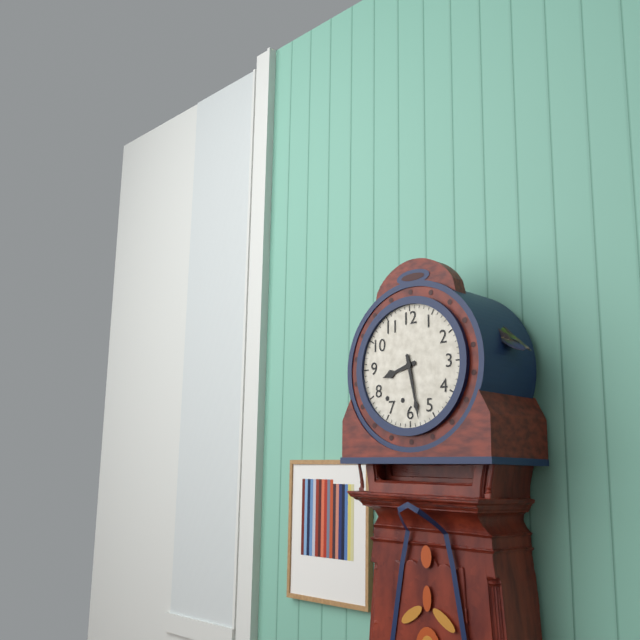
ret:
{"hour": 8, "minute": 28}
